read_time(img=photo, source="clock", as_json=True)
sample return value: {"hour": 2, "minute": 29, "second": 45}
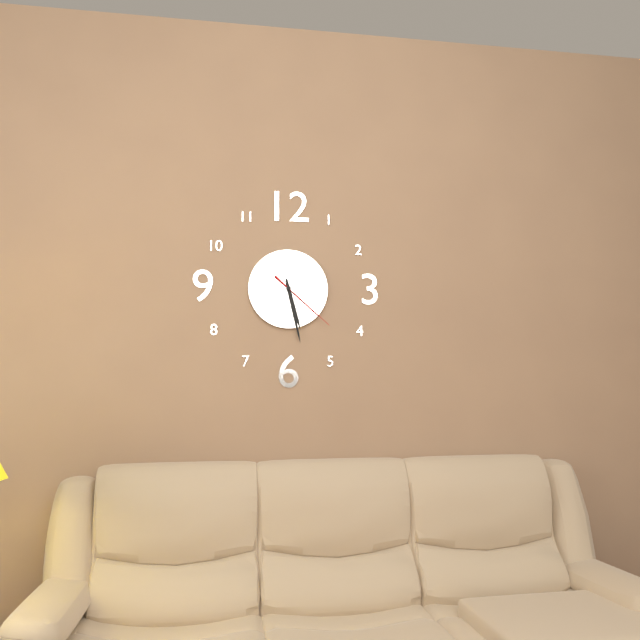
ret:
{"hour": 5, "minute": 28, "second": 22}
